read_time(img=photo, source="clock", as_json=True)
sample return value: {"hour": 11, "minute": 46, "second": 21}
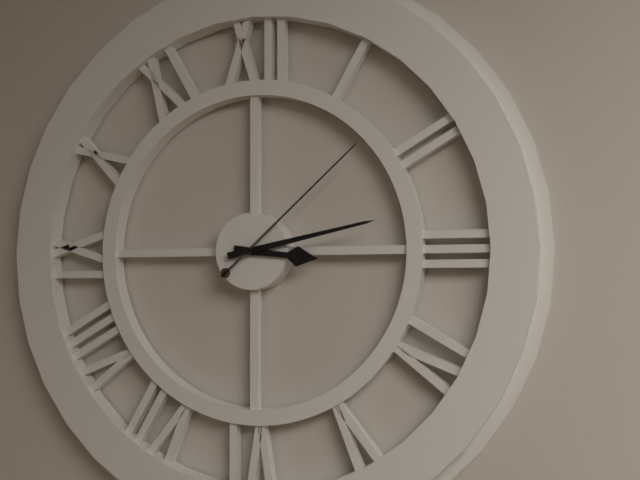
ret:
{"hour": 3, "minute": 13, "second": 8}
